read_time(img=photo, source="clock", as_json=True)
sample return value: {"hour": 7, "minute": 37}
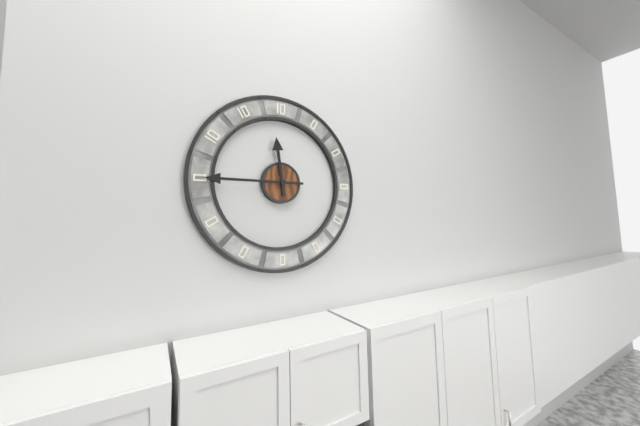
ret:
{"hour": 11, "minute": 45}
